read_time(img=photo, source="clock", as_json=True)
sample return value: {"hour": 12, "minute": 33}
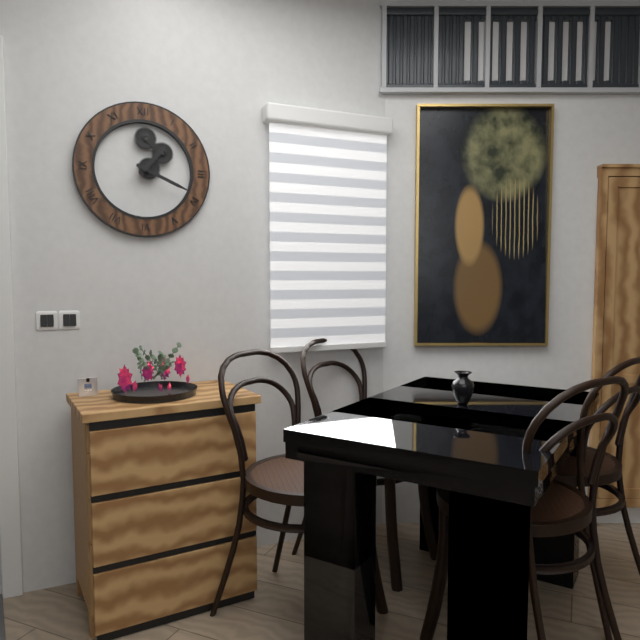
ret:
{"hour": 1, "minute": 19}
